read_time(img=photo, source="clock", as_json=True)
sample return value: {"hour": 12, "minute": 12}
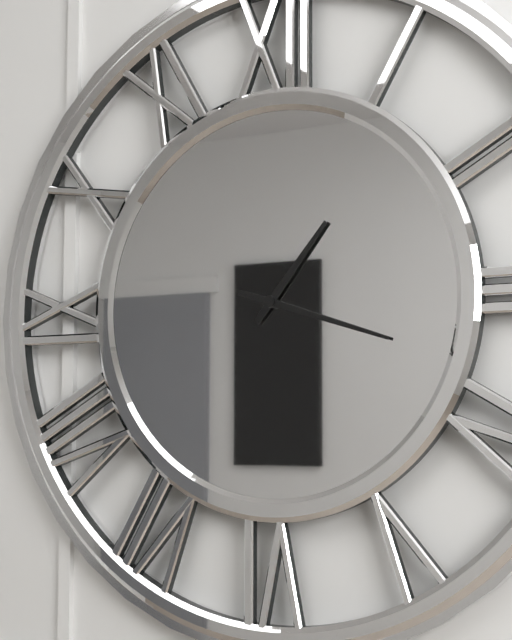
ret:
{"hour": 1, "minute": 18}
